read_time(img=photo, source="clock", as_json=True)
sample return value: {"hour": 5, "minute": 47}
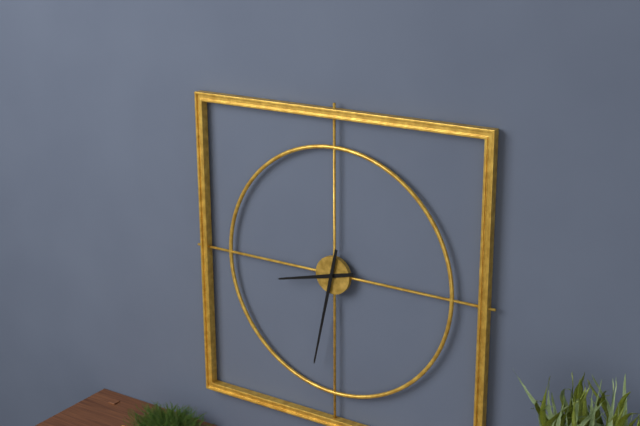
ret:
{"hour": 8, "minute": 32}
